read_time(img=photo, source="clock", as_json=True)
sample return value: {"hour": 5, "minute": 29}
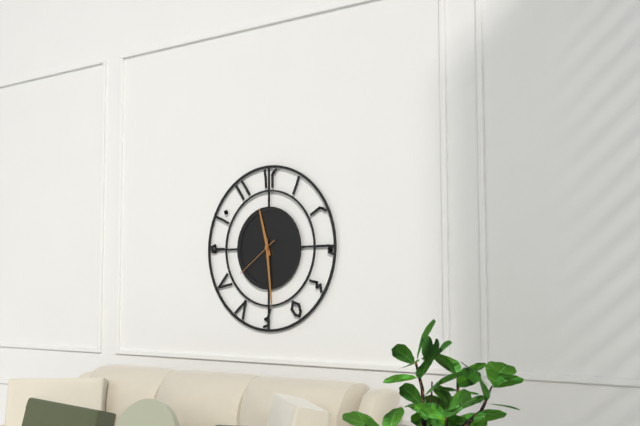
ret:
{"hour": 11, "minute": 29}
